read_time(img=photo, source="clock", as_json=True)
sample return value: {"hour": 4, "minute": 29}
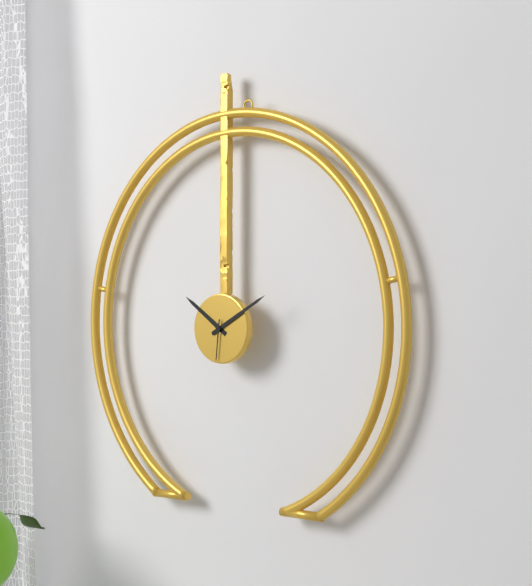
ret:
{"hour": 10, "minute": 10}
